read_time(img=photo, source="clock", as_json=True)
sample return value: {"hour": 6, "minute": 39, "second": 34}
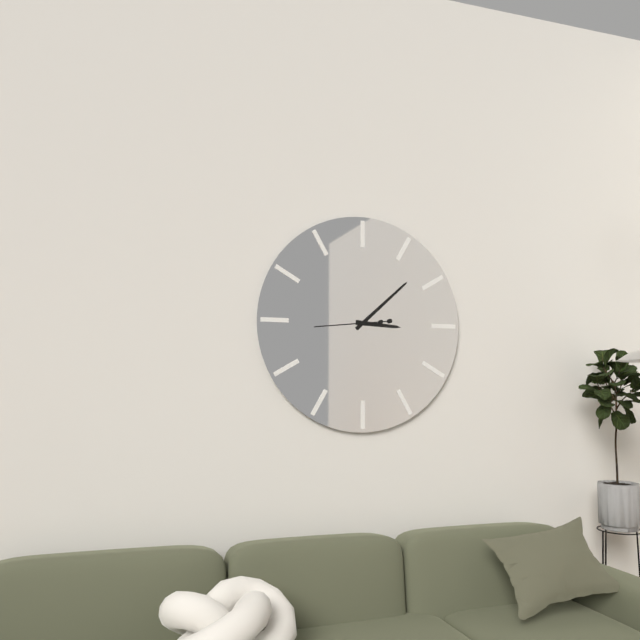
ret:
{"hour": 3, "minute": 8, "second": 44}
